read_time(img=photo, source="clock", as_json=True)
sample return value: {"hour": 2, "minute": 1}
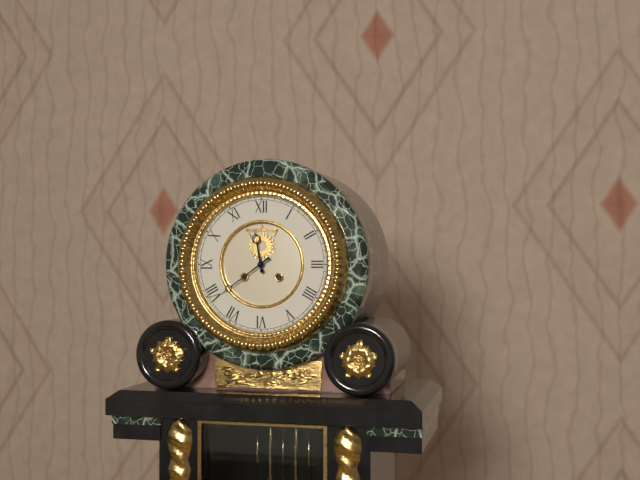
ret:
{"hour": 11, "minute": 39}
